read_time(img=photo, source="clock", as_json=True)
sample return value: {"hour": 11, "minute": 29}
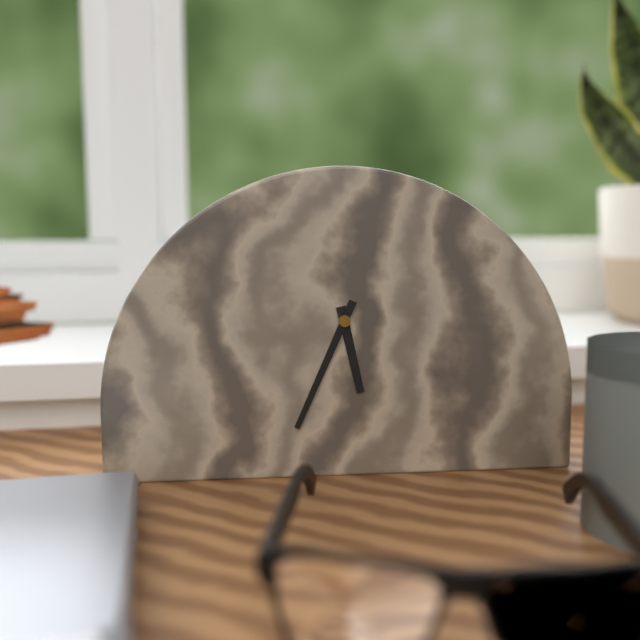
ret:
{"hour": 5, "minute": 34}
